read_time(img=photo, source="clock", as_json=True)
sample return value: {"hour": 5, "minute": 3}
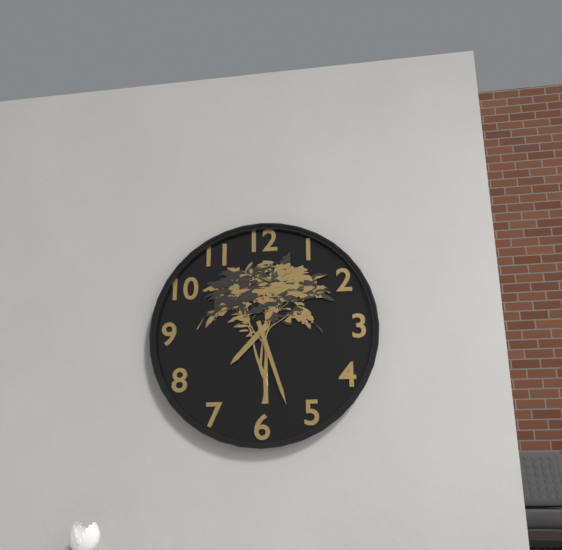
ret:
{"hour": 7, "minute": 27}
